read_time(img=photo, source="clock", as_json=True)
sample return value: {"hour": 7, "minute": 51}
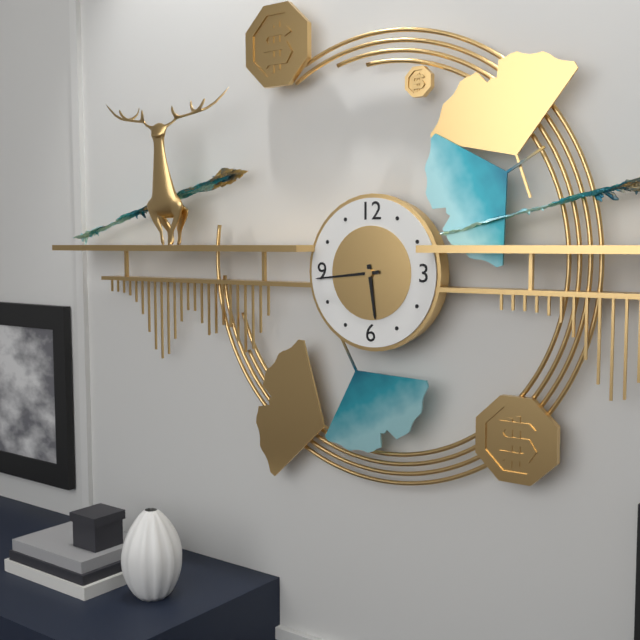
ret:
{"hour": 5, "minute": 44}
